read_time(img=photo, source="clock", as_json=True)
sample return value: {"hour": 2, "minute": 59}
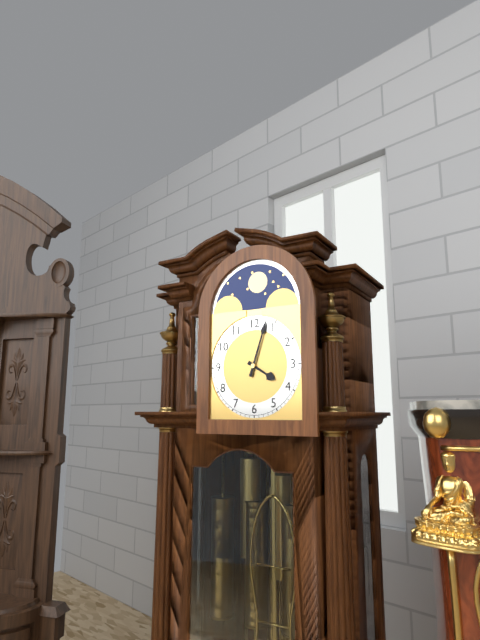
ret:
{"hour": 4, "minute": 3}
